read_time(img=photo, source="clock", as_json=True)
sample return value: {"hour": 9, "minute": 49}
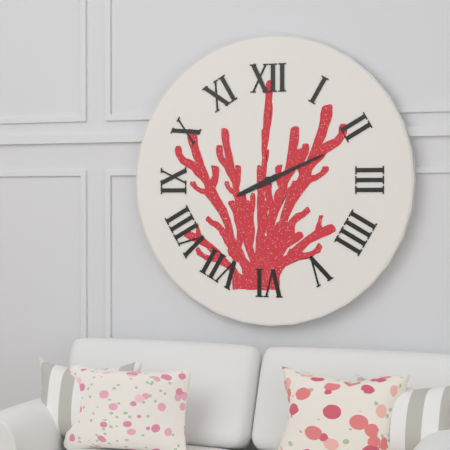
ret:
{"hour": 8, "minute": 11}
